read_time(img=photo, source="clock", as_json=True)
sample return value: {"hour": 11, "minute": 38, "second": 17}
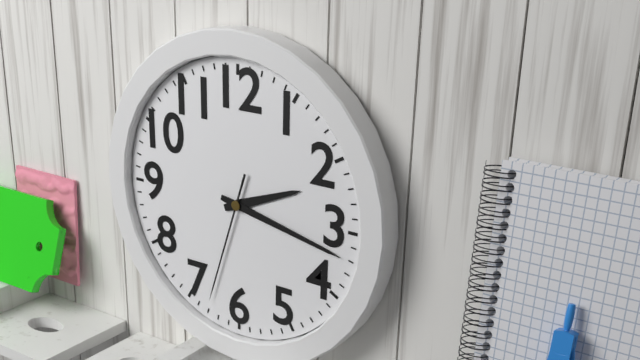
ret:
{"hour": 2, "minute": 17, "second": 33}
